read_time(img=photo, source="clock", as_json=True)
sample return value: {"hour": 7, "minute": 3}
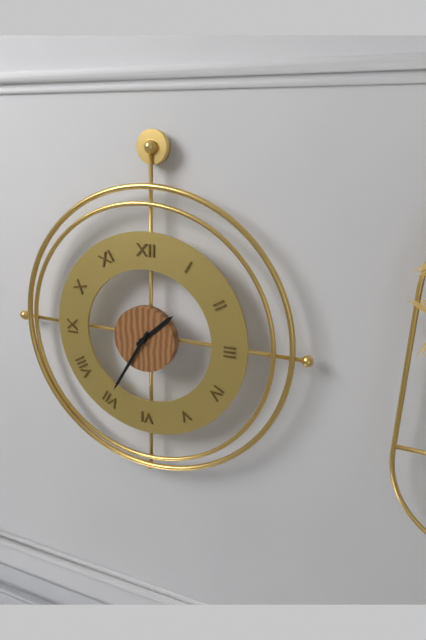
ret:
{"hour": 1, "minute": 35}
